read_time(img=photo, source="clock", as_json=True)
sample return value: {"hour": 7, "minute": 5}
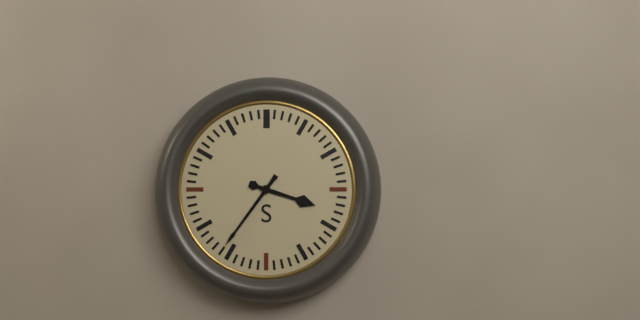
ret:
{"hour": 3, "minute": 36}
